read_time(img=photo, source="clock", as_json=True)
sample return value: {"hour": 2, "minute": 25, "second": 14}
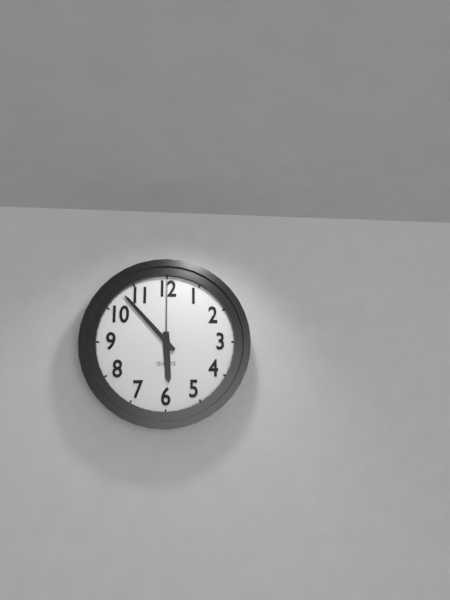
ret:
{"hour": 5, "minute": 53, "second": 0}
